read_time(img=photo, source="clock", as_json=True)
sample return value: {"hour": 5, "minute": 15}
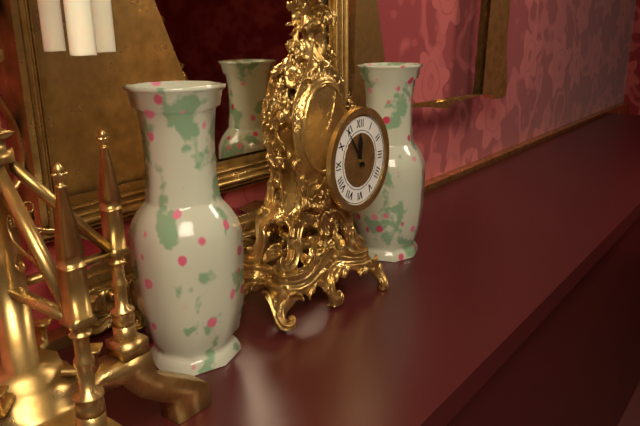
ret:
{"hour": 11, "minute": 54}
